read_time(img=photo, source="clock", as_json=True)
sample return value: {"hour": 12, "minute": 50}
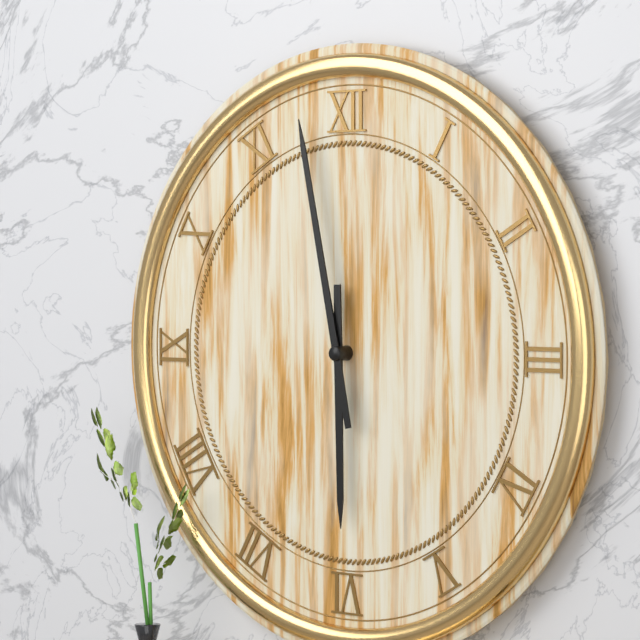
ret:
{"hour": 5, "minute": 58}
